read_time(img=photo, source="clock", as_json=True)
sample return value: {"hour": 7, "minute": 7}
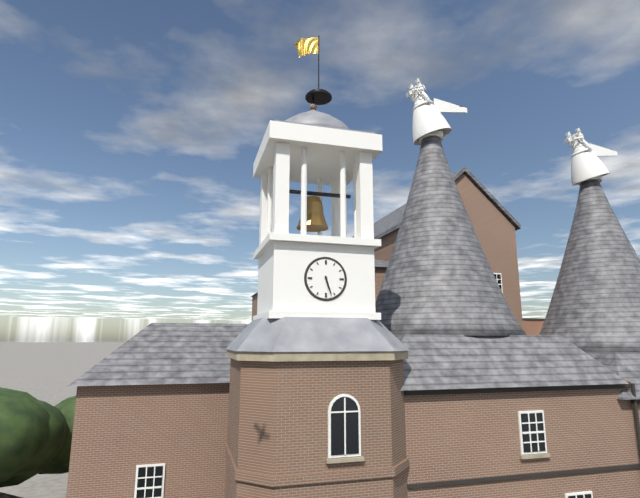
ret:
{"hour": 5, "minute": 27}
